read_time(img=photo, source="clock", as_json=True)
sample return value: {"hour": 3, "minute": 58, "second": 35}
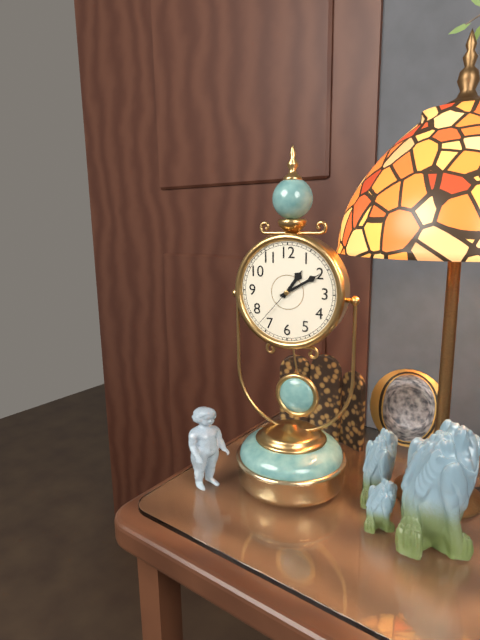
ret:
{"hour": 1, "minute": 10, "second": 37}
